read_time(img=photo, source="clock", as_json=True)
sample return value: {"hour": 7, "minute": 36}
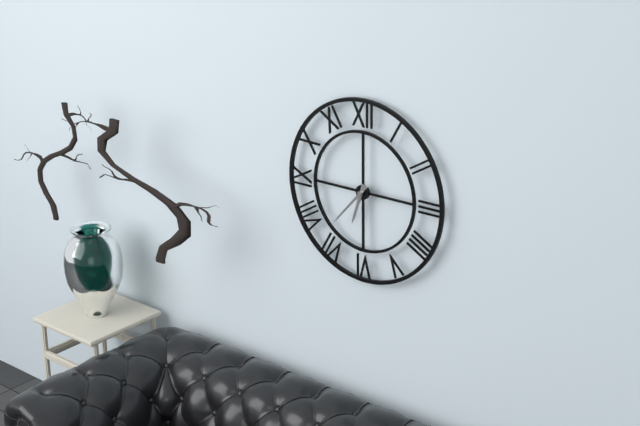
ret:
{"hour": 6, "minute": 37}
